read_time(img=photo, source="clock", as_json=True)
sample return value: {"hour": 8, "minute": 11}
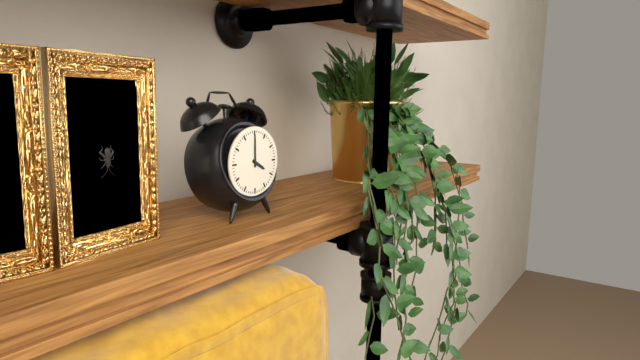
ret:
{"hour": 4, "minute": 0}
